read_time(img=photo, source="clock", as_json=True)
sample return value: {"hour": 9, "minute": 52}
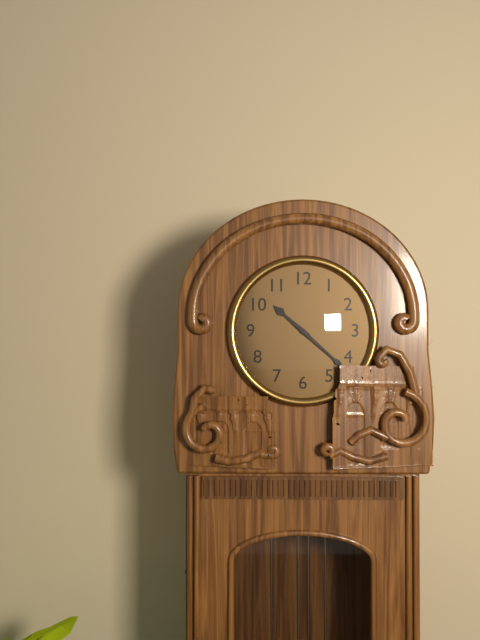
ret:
{"hour": 10, "minute": 22}
